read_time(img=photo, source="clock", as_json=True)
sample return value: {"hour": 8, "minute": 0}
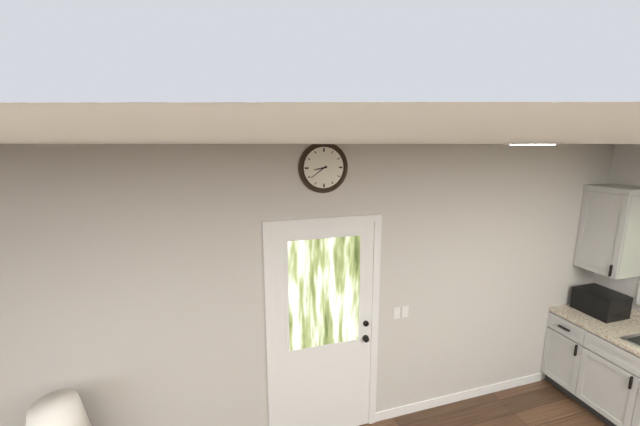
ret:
{"hour": 8, "minute": 39}
